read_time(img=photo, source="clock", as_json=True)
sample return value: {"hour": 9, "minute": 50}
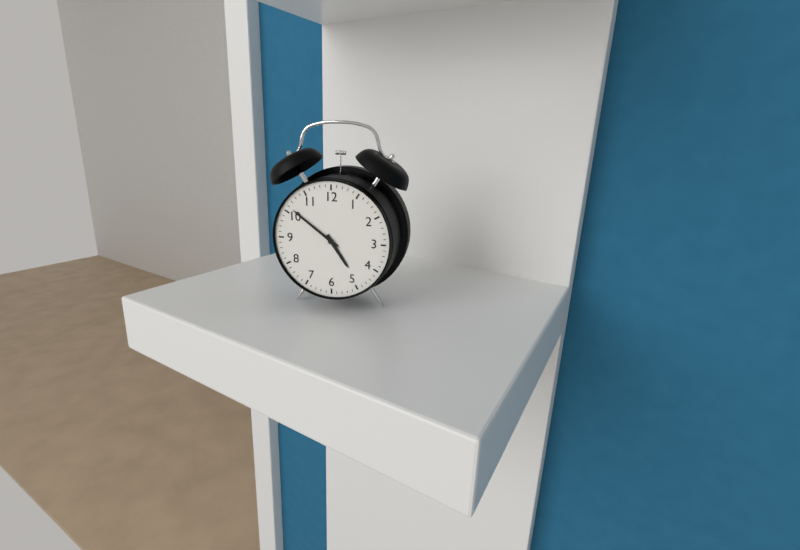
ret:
{"hour": 4, "minute": 51}
